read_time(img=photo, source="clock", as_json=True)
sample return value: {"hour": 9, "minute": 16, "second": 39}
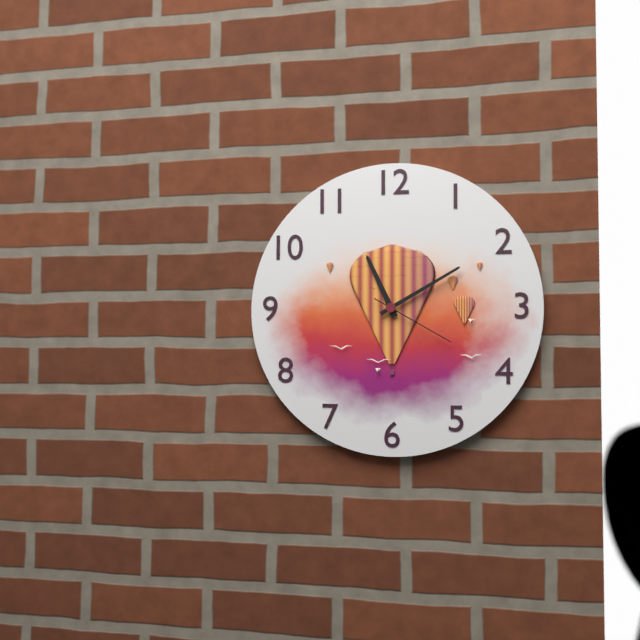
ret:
{"hour": 11, "minute": 10, "second": 20}
